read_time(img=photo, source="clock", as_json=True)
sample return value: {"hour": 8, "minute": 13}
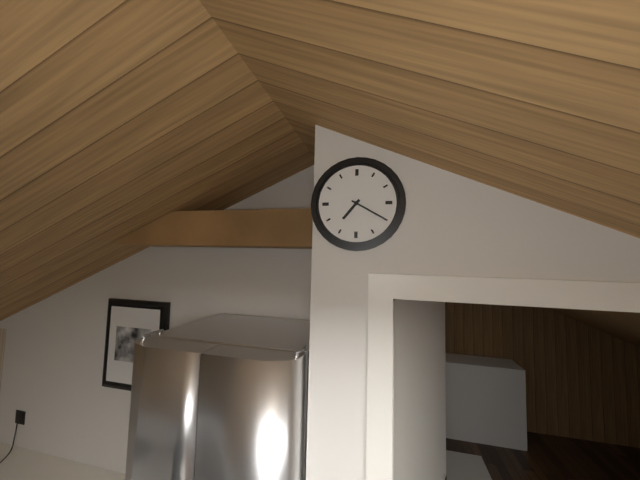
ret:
{"hour": 7, "minute": 20}
